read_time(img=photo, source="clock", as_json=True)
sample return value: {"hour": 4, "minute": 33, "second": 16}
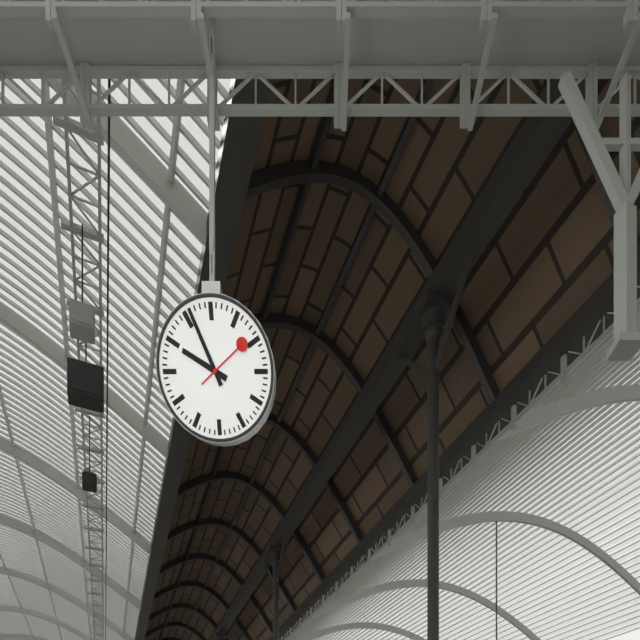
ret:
{"hour": 9, "minute": 56, "second": 9}
